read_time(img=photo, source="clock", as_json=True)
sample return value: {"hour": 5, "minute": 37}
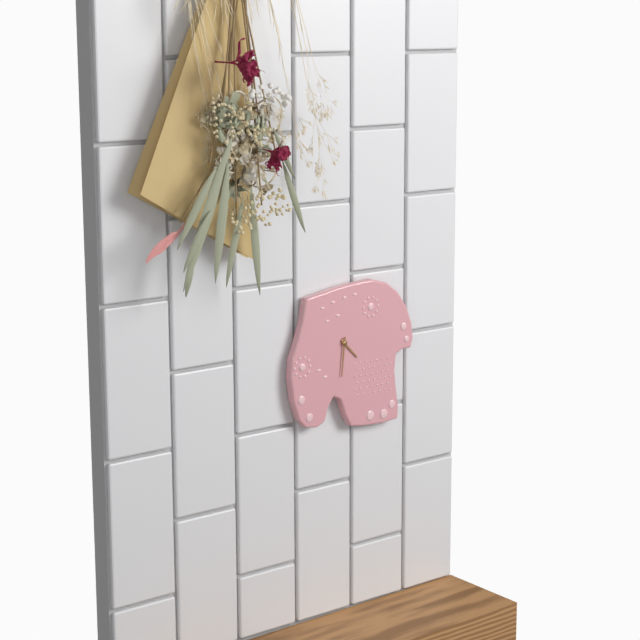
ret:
{"hour": 4, "minute": 31}
